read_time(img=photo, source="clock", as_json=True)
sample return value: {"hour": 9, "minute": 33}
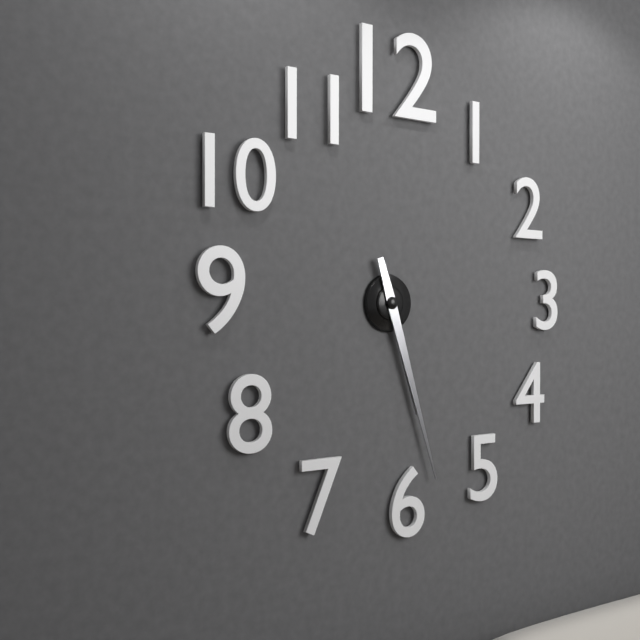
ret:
{"hour": 5, "minute": 27}
